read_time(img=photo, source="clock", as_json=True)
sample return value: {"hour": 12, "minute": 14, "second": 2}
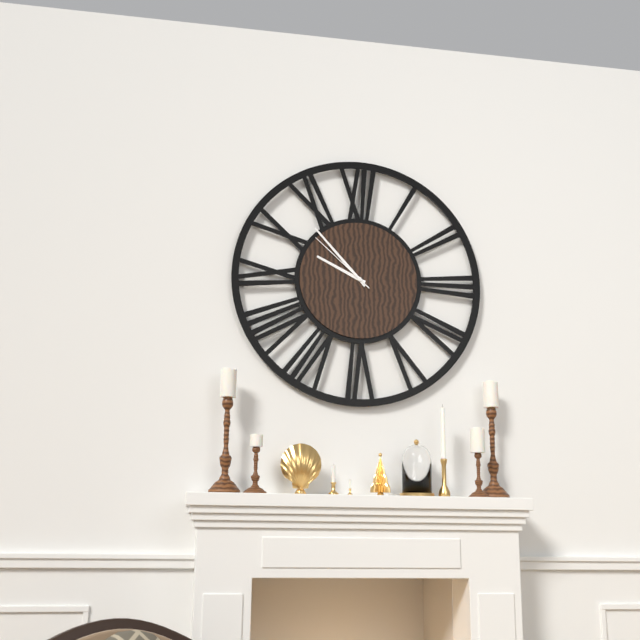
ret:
{"hour": 9, "minute": 53, "second": 52}
